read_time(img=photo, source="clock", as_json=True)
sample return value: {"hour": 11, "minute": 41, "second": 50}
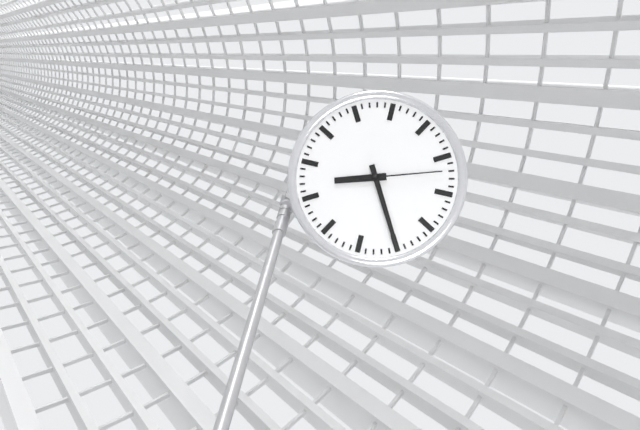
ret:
{"hour": 8, "minute": 25, "second": 12}
